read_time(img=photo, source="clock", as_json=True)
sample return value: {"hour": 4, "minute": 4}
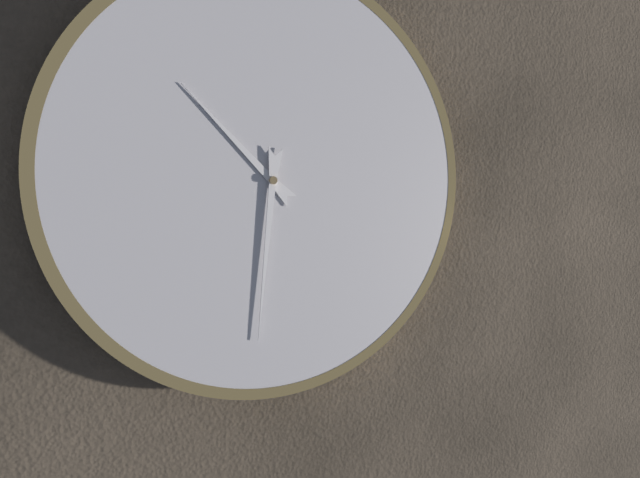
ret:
{"hour": 10, "minute": 31}
